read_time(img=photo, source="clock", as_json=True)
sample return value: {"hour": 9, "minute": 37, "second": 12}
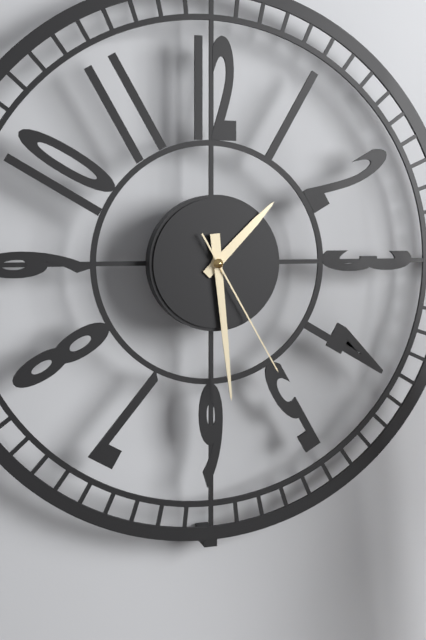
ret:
{"hour": 1, "minute": 29, "second": 25}
